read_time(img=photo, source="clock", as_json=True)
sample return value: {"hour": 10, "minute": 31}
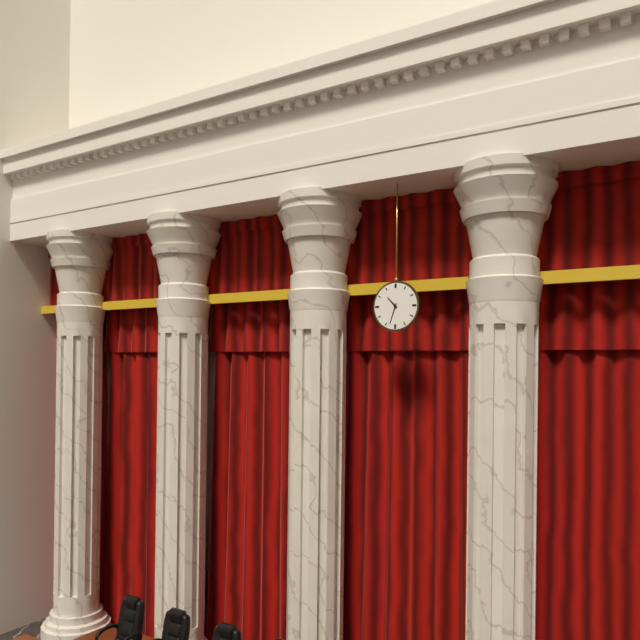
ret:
{"hour": 10, "minute": 33}
